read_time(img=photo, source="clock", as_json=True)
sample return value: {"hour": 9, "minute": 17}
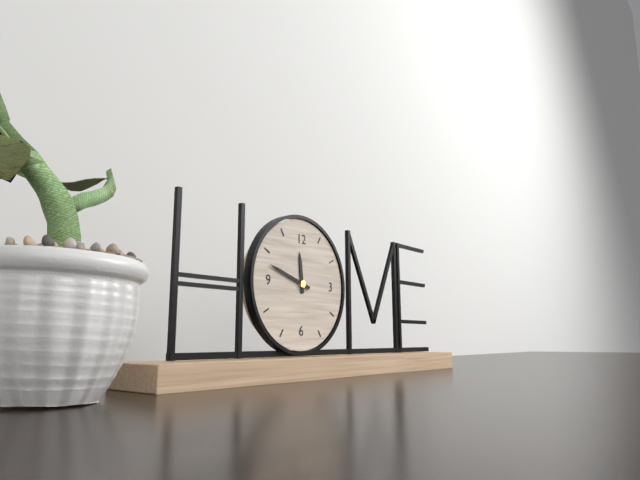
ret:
{"hour": 11, "minute": 48}
